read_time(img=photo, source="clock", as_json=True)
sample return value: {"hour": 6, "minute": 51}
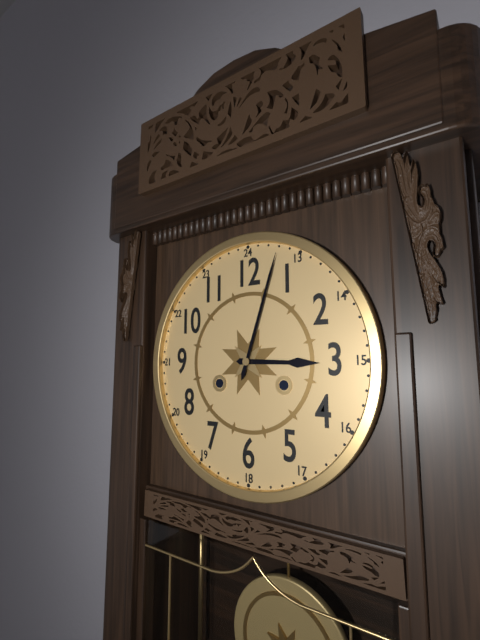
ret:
{"hour": 3, "minute": 3}
